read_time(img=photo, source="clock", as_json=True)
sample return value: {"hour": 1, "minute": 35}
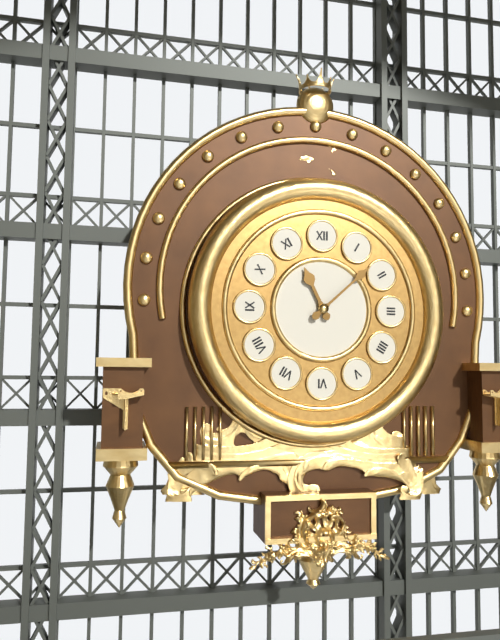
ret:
{"hour": 11, "minute": 8}
